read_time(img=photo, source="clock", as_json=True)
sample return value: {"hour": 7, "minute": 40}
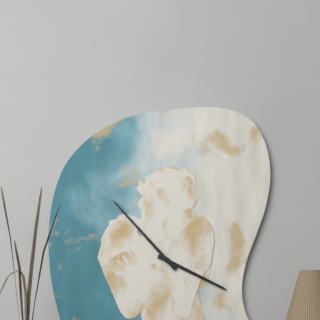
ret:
{"hour": 3, "minute": 53}
